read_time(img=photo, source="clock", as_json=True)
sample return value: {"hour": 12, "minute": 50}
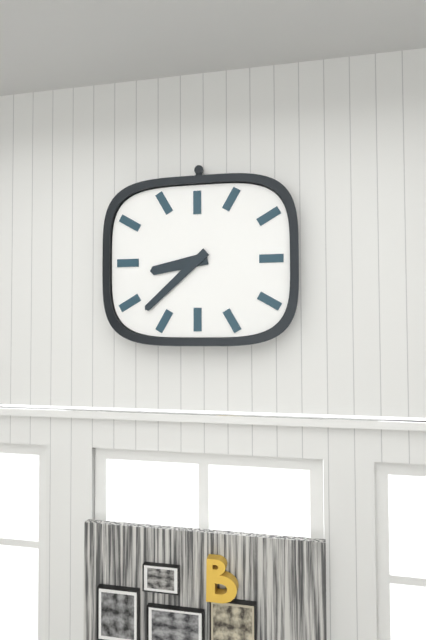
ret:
{"hour": 8, "minute": 38}
